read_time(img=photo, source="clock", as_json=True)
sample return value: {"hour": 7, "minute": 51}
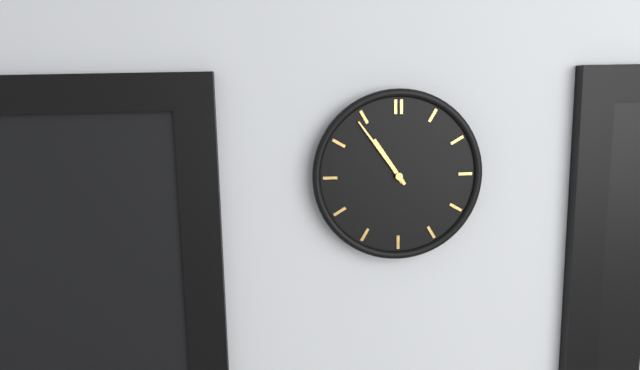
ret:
{"hour": 10, "minute": 54}
